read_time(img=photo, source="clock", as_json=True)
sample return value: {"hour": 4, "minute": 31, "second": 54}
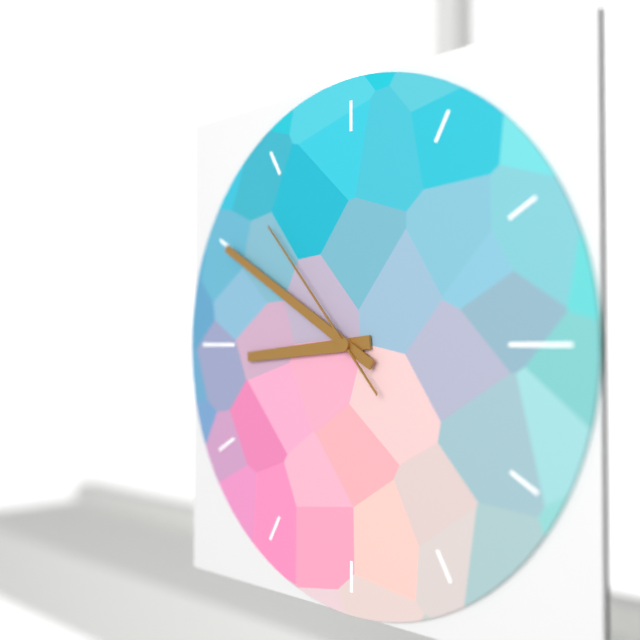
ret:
{"hour": 8, "minute": 50, "second": 53}
